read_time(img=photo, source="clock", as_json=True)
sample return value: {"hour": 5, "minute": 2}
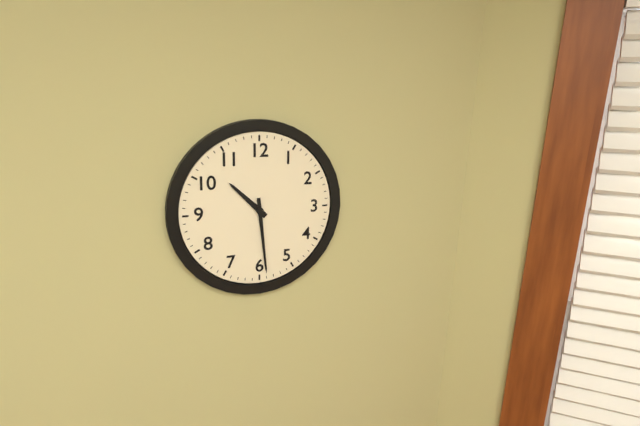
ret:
{"hour": 10, "minute": 29}
